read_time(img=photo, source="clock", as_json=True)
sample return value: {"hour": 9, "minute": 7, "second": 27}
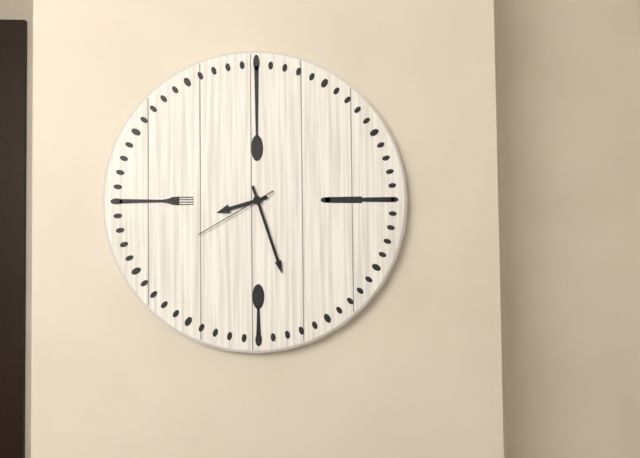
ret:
{"hour": 8, "minute": 27, "second": 40}
